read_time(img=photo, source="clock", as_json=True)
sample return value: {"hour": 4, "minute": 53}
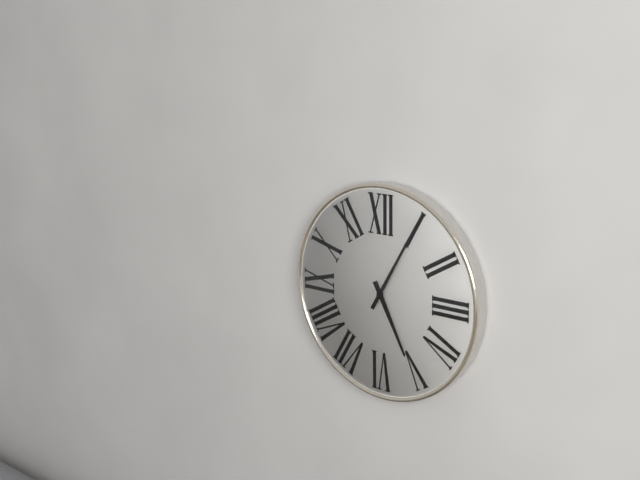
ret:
{"hour": 5, "minute": 5}
